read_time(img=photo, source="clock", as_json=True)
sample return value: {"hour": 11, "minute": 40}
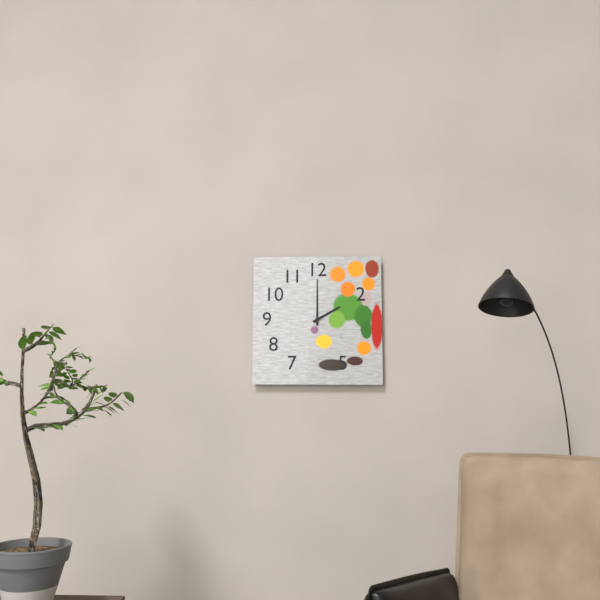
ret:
{"hour": 2, "minute": 0}
